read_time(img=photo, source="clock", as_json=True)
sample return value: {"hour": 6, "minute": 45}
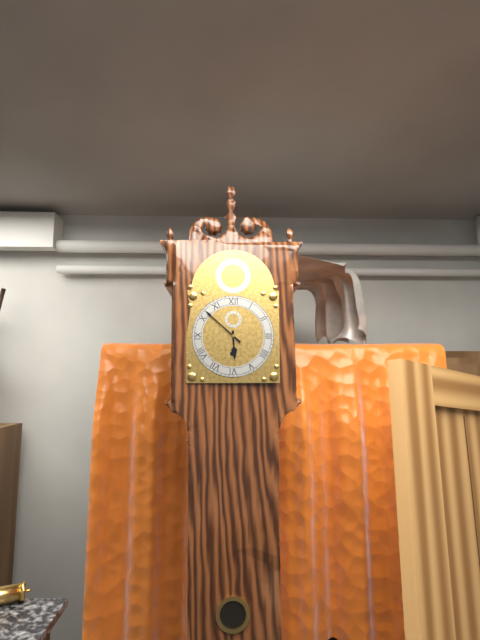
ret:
{"hour": 5, "minute": 52}
